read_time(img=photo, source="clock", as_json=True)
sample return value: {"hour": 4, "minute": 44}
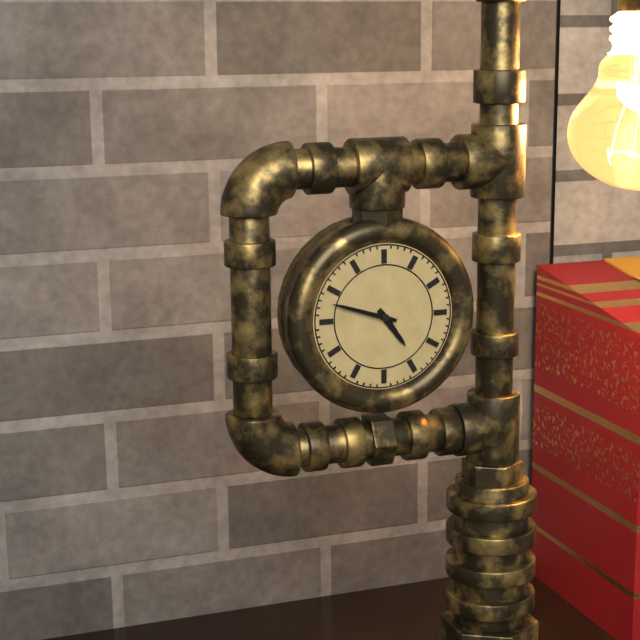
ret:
{"hour": 4, "minute": 48}
